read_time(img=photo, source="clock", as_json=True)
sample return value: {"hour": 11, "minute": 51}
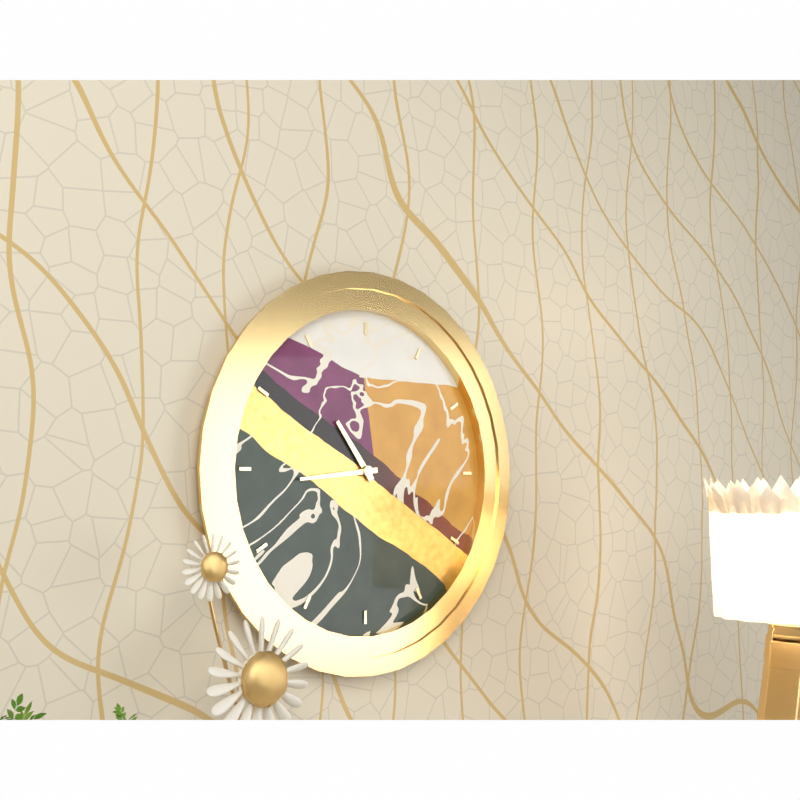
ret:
{"hour": 10, "minute": 44}
